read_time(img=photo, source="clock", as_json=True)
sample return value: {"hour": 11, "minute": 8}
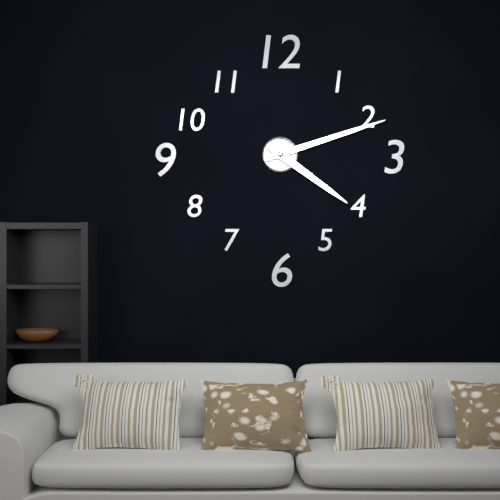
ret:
{"hour": 4, "minute": 12}
